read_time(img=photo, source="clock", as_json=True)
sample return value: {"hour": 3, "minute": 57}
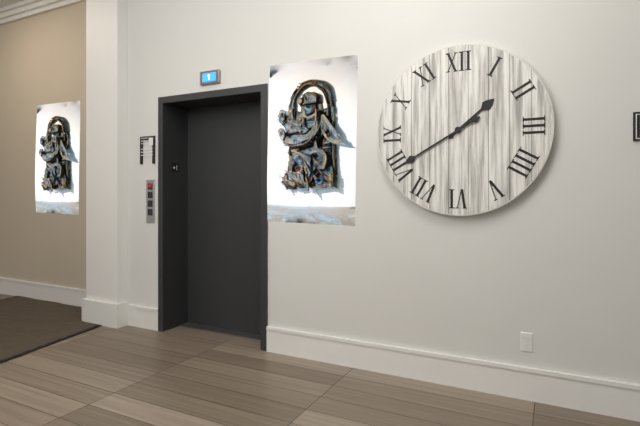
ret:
{"hour": 1, "minute": 40}
